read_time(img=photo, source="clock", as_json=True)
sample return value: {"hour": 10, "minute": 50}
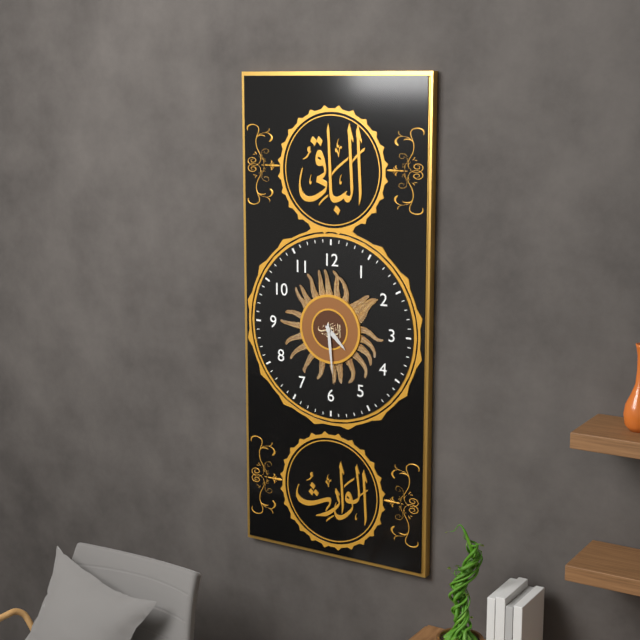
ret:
{"hour": 4, "minute": 29}
